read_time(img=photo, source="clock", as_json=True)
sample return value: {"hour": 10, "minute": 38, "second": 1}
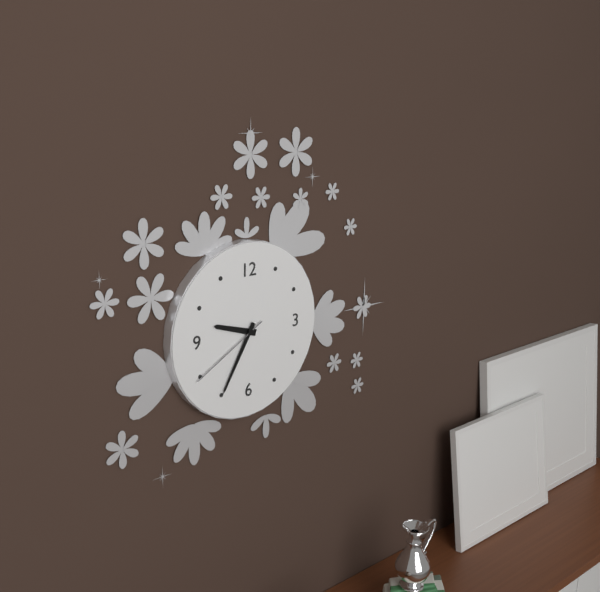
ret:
{"hour": 9, "minute": 35, "second": 40}
